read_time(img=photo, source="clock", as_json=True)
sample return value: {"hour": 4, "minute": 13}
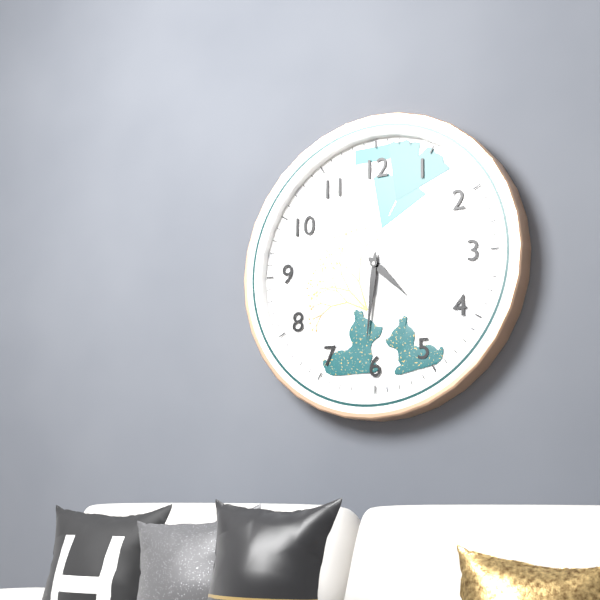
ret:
{"hour": 4, "minute": 31}
